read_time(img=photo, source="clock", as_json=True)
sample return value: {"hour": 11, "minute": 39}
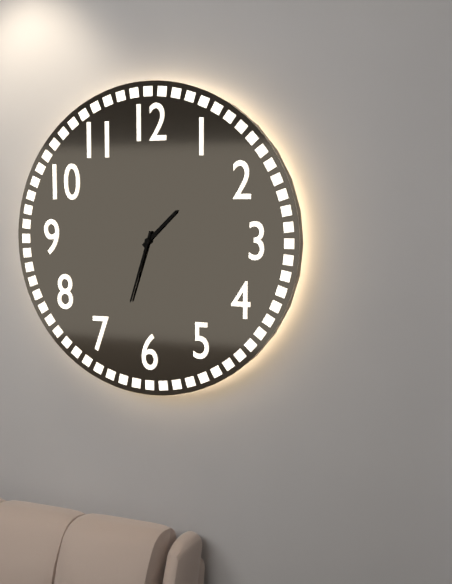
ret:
{"hour": 1, "minute": 33}
